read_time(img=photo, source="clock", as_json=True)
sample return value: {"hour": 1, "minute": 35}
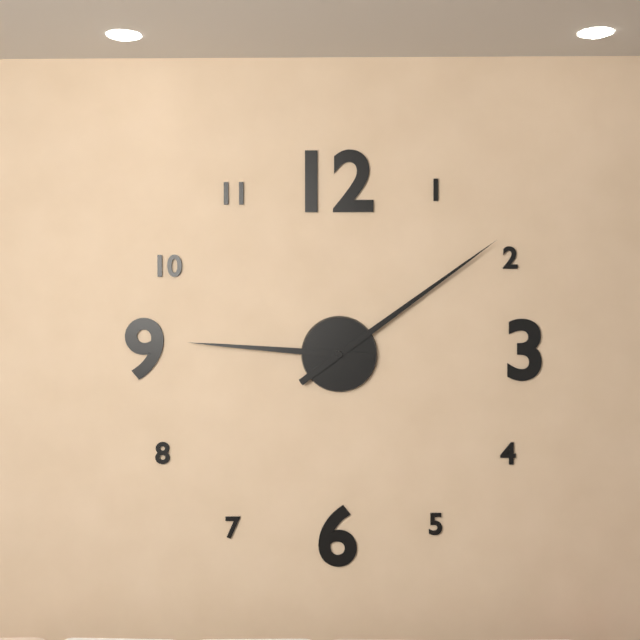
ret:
{"hour": 9, "minute": 9}
